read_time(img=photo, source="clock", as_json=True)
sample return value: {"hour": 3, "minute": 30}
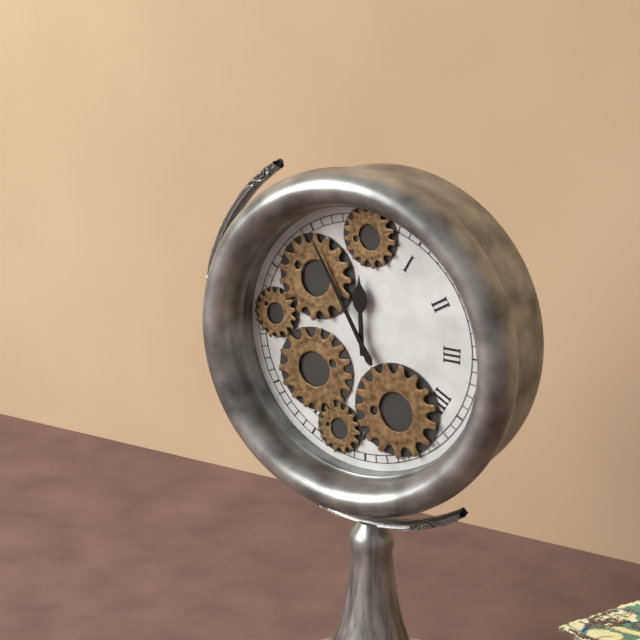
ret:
{"hour": 11, "minute": 55}
